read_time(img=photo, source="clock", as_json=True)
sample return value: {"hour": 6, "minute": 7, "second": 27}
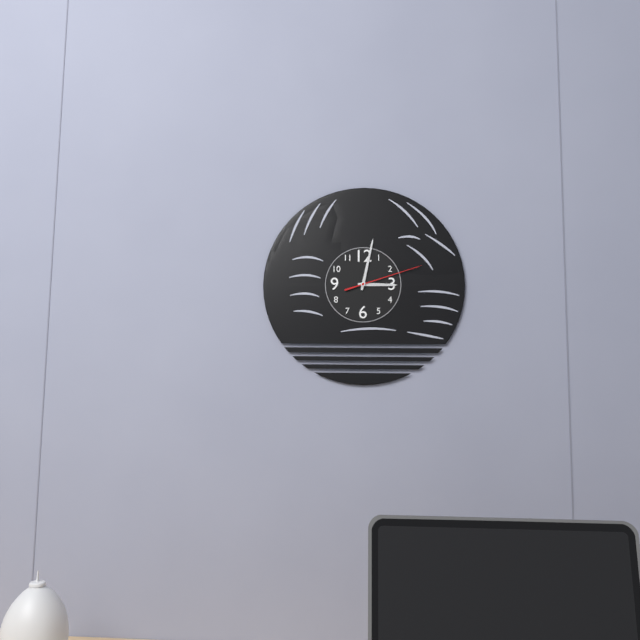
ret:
{"hour": 3, "minute": 2, "second": 12}
